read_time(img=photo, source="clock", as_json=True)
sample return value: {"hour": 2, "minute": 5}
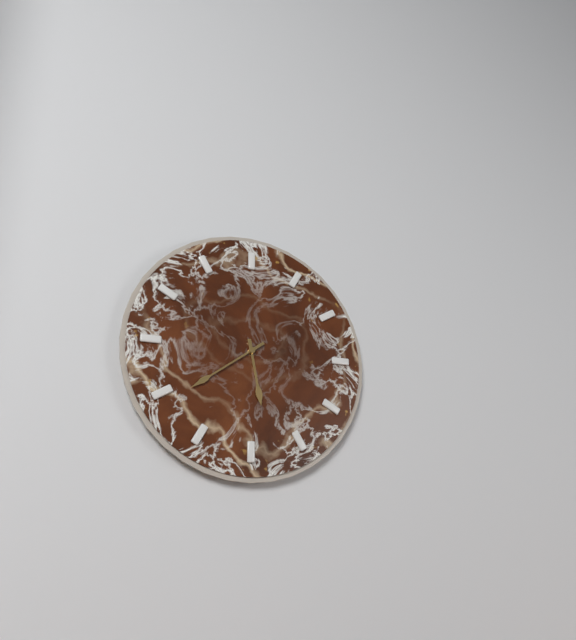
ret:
{"hour": 5, "minute": 39}
